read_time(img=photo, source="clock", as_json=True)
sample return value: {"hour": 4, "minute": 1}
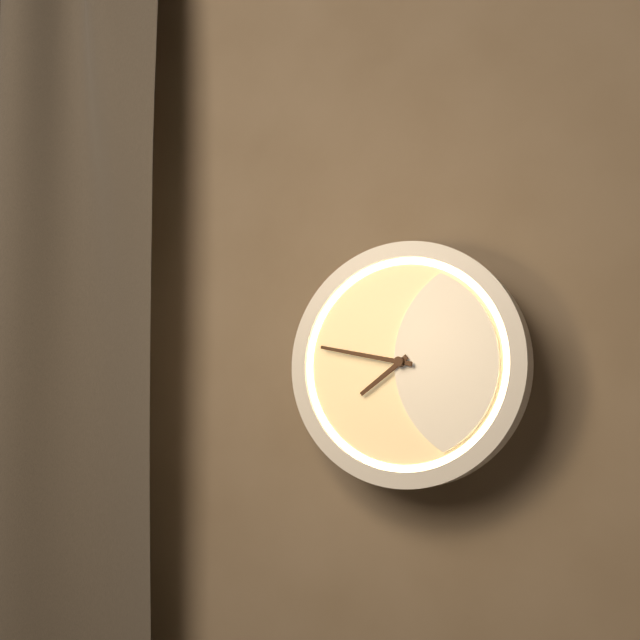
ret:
{"hour": 7, "minute": 47}
